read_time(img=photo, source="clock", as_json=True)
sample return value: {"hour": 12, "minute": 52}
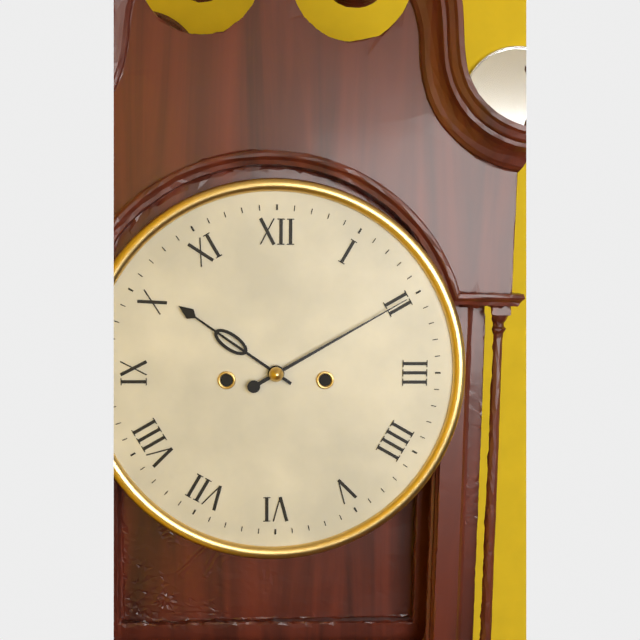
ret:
{"hour": 10, "minute": 10}
